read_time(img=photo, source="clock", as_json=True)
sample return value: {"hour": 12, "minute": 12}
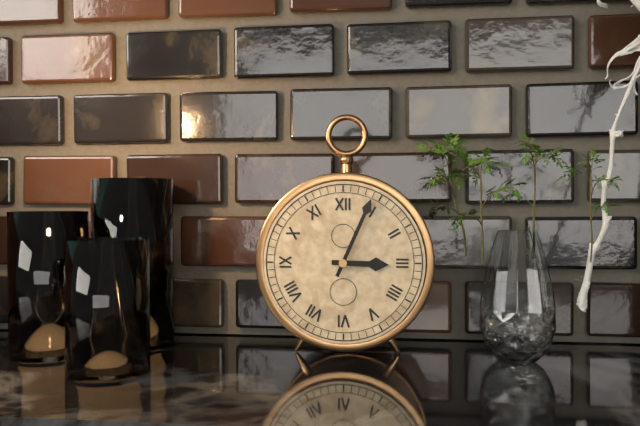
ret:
{"hour": 3, "minute": 4}
